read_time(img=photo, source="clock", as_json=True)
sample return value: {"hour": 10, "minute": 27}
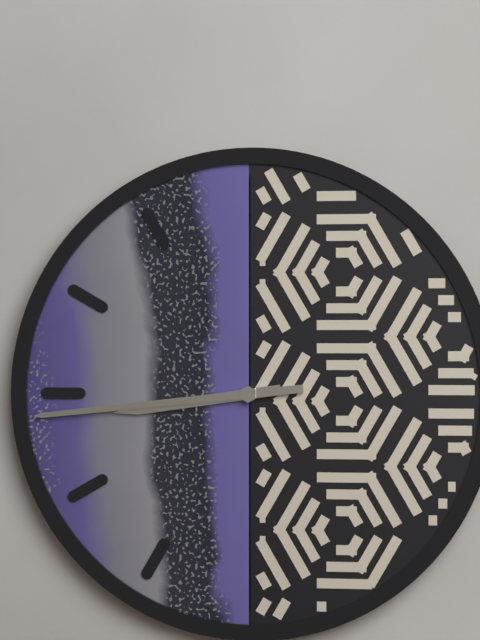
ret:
{"hour": 8, "minute": 44}
